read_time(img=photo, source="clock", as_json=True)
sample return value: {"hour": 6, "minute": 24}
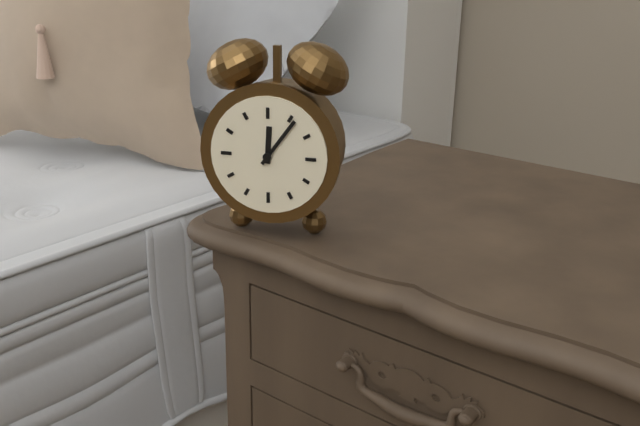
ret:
{"hour": 12, "minute": 6}
